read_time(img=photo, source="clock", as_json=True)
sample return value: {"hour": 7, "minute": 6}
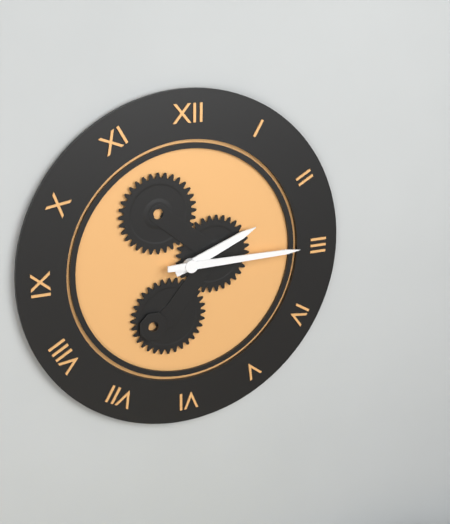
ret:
{"hour": 2, "minute": 15}
